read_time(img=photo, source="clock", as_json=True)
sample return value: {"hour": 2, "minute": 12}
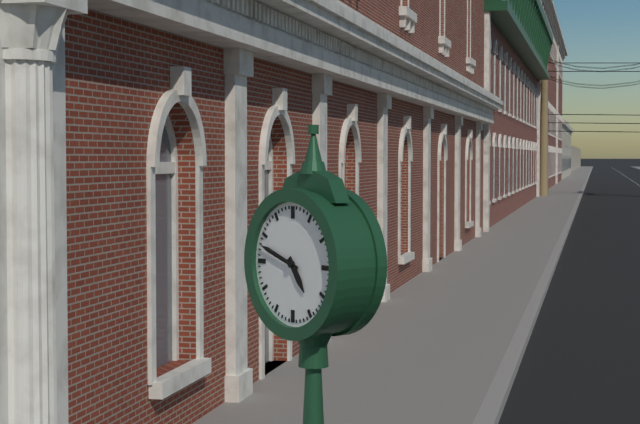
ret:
{"hour": 4, "minute": 48}
